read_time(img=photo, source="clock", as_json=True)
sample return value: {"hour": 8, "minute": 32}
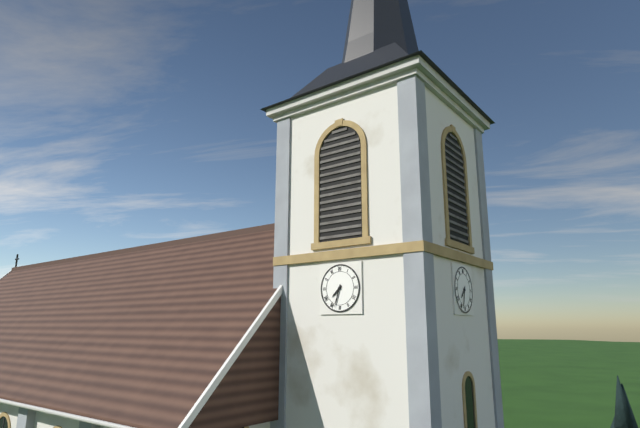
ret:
{"hour": 7, "minute": 33}
